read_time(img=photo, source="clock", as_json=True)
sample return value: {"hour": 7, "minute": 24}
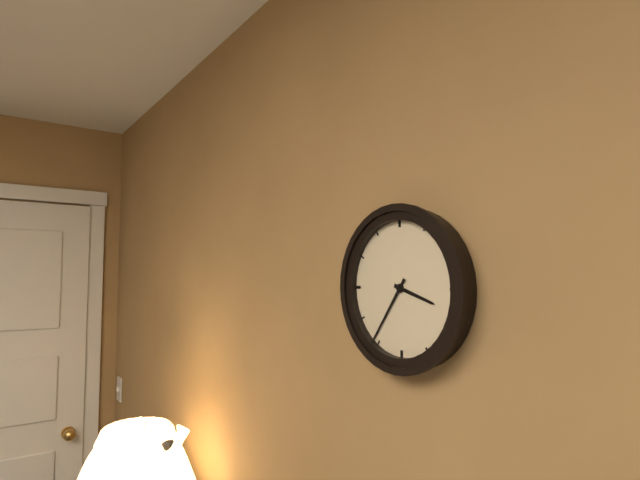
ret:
{"hour": 3, "minute": 36}
